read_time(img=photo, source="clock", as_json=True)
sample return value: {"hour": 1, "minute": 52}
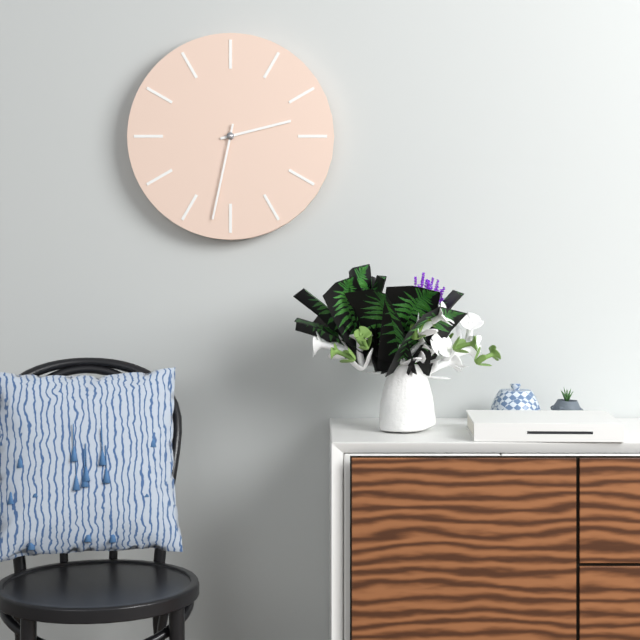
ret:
{"hour": 2, "minute": 32}
